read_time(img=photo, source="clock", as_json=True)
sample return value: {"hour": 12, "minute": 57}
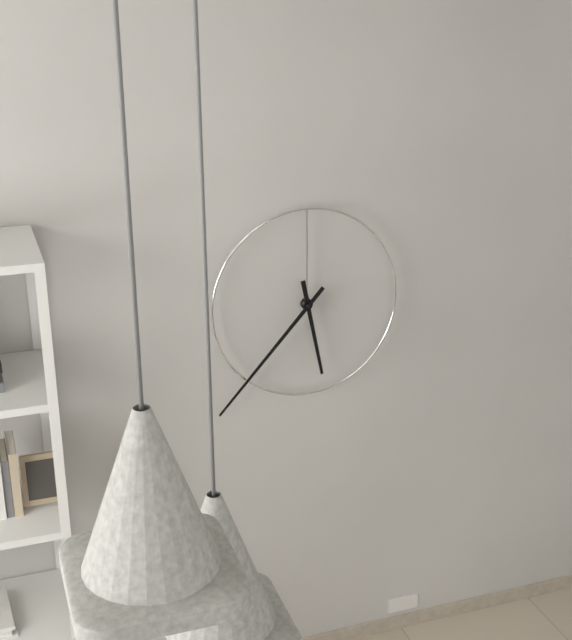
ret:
{"hour": 5, "minute": 37}
